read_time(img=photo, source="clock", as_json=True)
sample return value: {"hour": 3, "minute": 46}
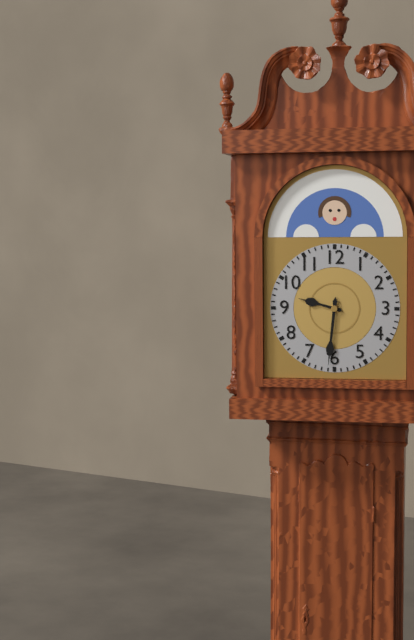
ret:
{"hour": 9, "minute": 31}
